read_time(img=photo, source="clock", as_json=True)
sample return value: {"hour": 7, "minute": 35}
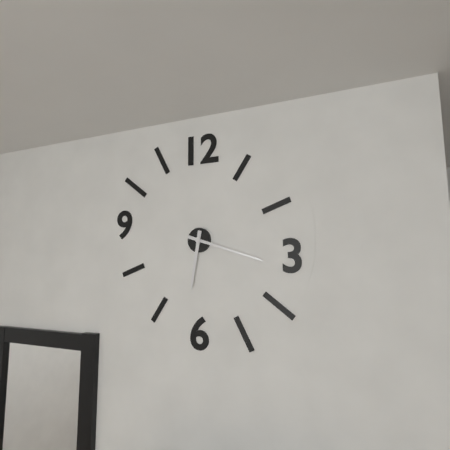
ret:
{"hour": 6, "minute": 18}
